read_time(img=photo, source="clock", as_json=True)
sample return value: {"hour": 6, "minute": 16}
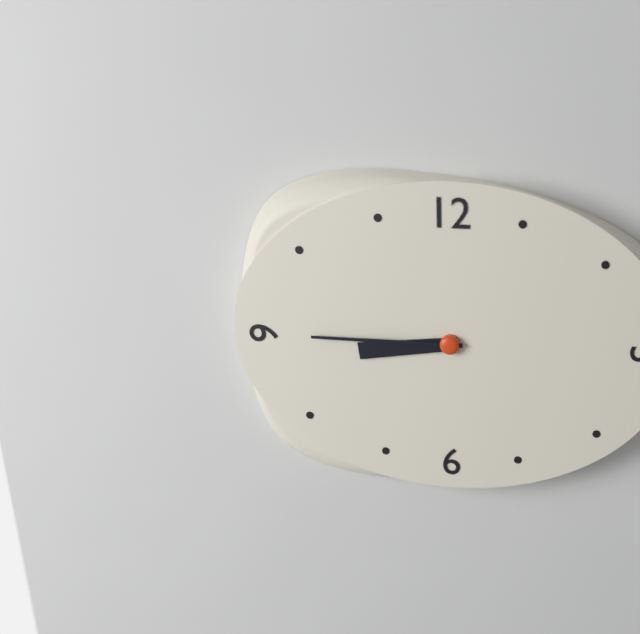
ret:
{"hour": 8, "minute": 45}
